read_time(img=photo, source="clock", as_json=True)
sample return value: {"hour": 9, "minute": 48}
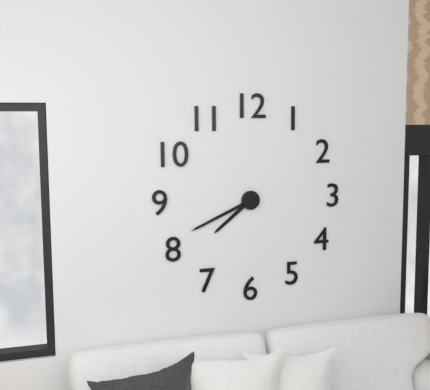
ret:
{"hour": 7, "minute": 41}
